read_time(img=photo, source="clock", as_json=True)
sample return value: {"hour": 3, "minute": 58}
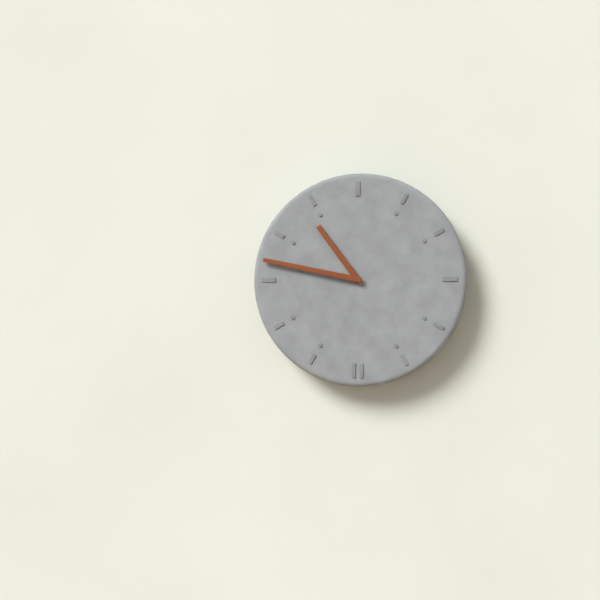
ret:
{"hour": 10, "minute": 47}
